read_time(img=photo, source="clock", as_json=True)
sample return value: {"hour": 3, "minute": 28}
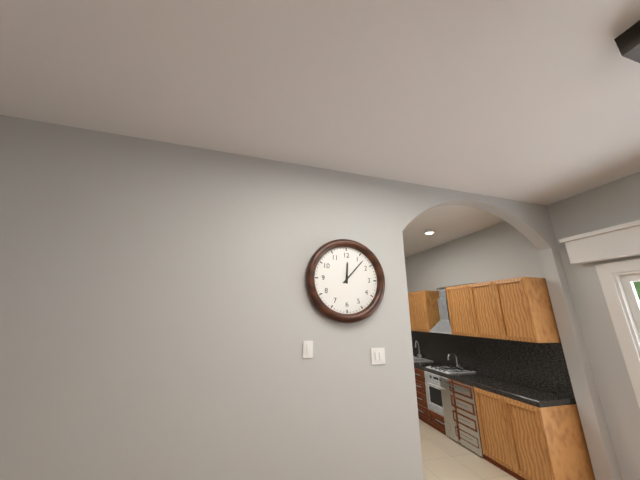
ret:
{"hour": 12, "minute": 7}
